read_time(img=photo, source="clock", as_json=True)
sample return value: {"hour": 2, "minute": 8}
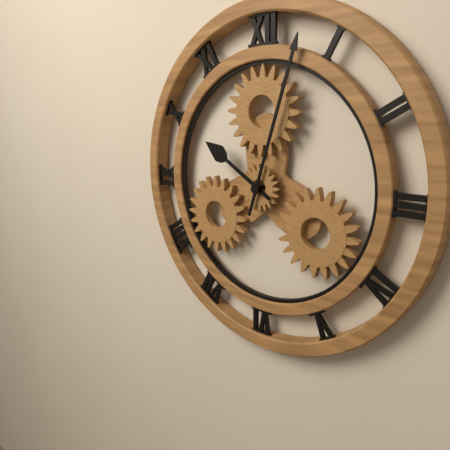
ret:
{"hour": 10, "minute": 3}
